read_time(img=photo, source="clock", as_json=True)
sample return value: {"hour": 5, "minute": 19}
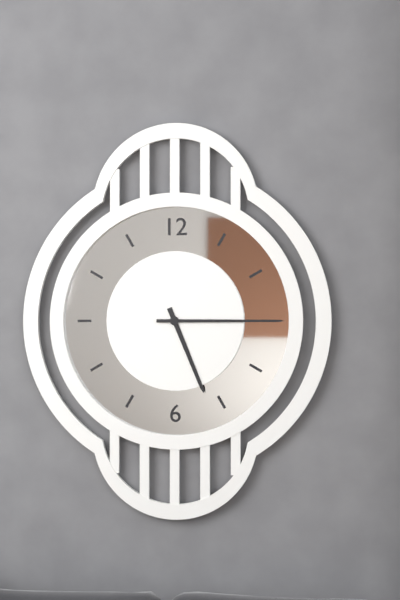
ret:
{"hour": 5, "minute": 15}
